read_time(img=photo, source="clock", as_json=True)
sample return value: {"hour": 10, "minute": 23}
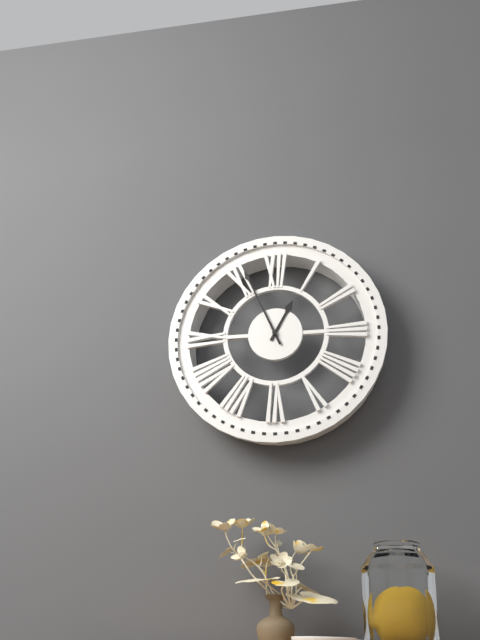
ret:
{"hour": 12, "minute": 56}
